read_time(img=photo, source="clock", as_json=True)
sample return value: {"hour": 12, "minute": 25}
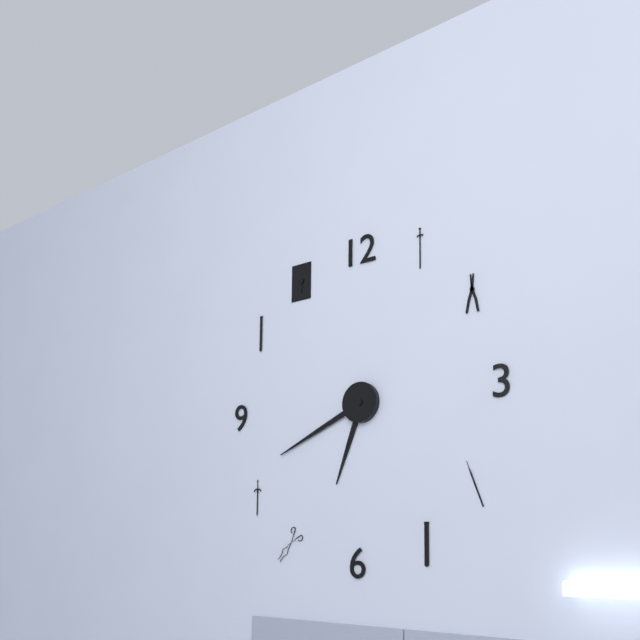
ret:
{"hour": 6, "minute": 41}
